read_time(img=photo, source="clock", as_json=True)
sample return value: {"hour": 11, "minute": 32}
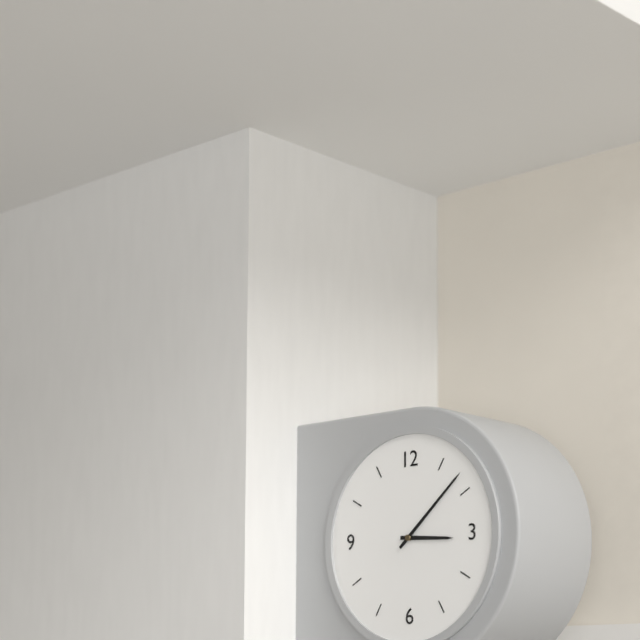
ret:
{"hour": 3, "minute": 8}
